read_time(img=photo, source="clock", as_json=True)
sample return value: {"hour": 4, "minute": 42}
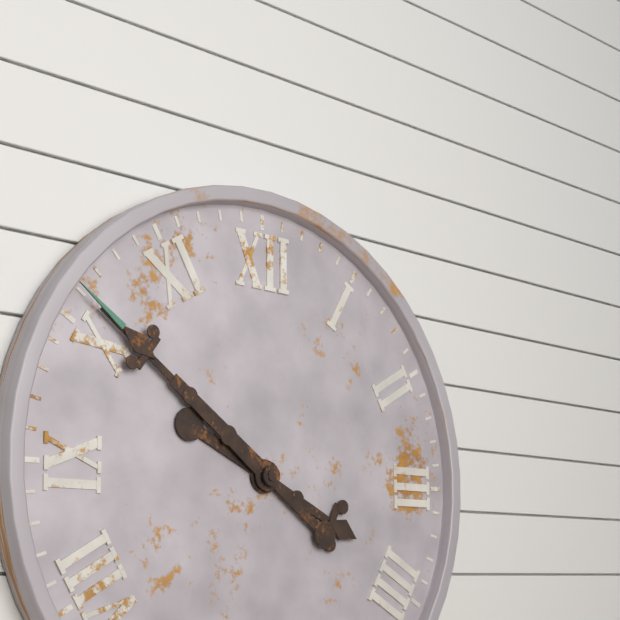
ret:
{"hour": 3, "minute": 51}
